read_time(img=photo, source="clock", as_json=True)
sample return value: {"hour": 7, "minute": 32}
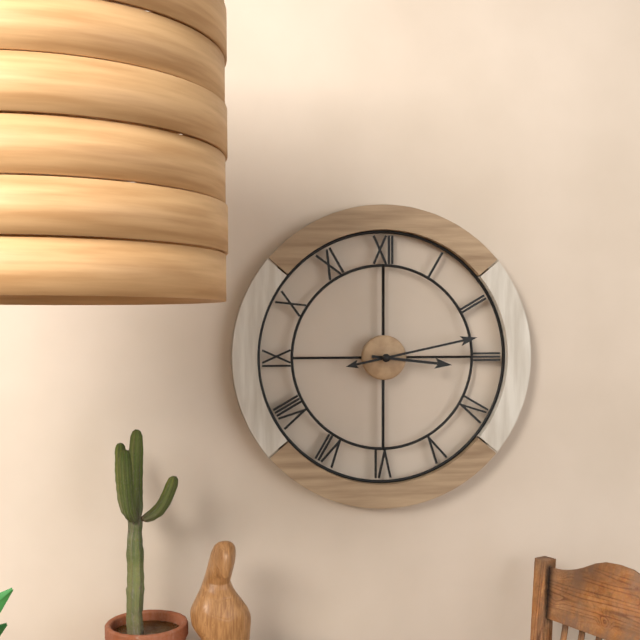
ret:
{"hour": 3, "minute": 13}
